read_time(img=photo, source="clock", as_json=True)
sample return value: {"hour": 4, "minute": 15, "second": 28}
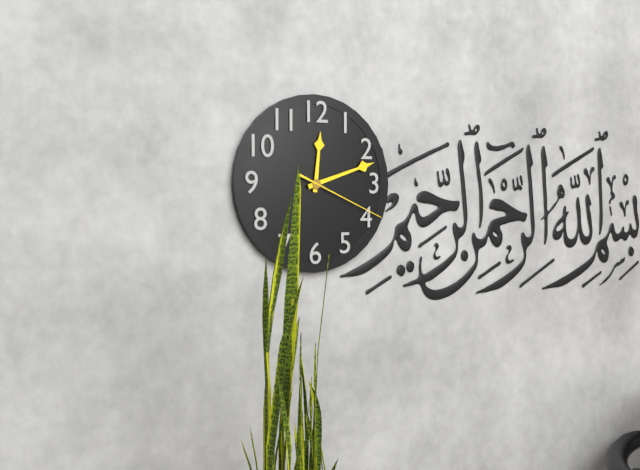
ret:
{"hour": 12, "minute": 12, "second": 19}
